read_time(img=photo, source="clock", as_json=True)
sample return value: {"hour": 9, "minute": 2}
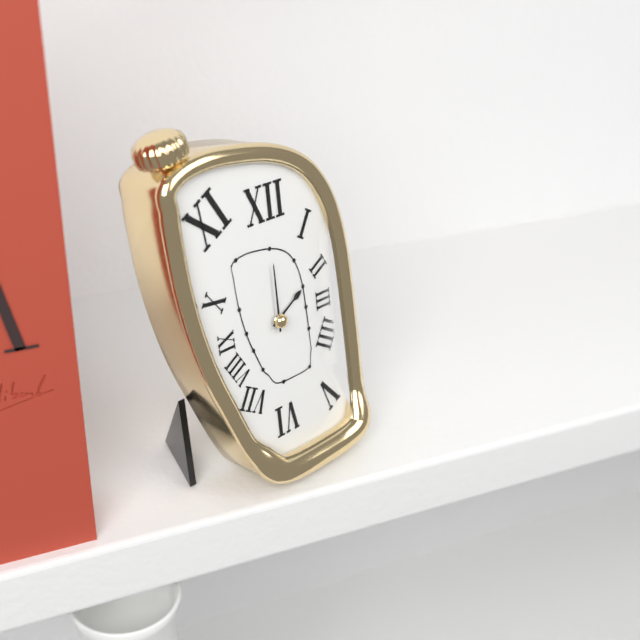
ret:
{"hour": 2, "minute": 0}
